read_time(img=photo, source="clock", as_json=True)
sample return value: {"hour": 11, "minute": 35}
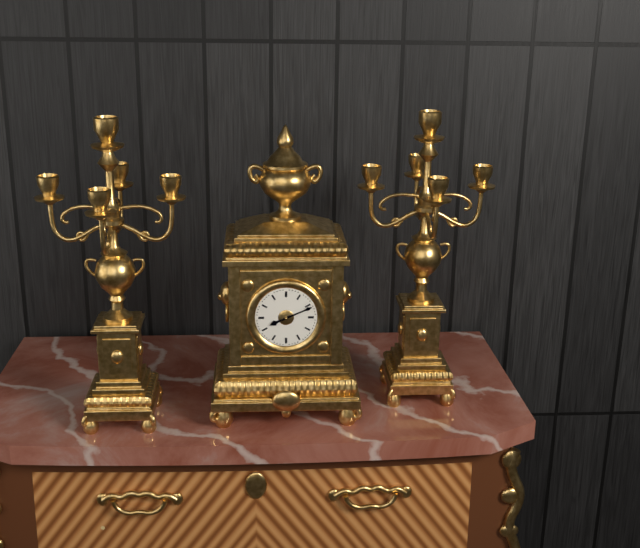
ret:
{"hour": 8, "minute": 11}
